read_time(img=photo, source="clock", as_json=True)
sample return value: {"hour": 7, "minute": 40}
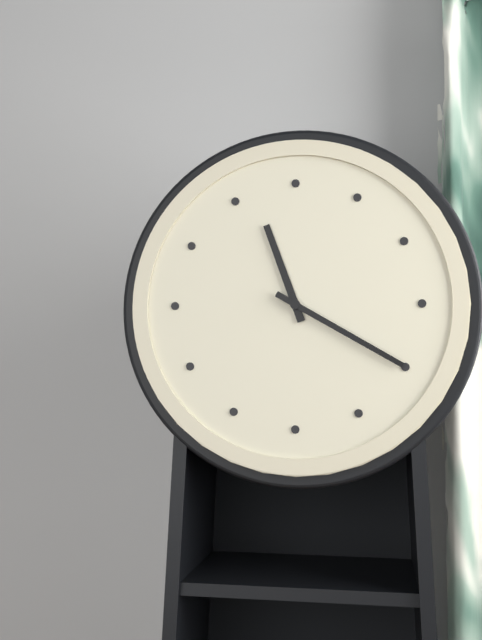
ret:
{"hour": 11, "minute": 20}
